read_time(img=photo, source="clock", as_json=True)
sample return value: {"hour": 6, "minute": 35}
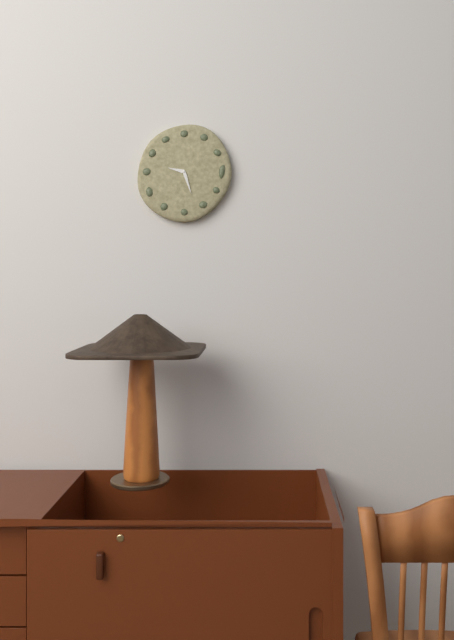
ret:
{"hour": 9, "minute": 27}
